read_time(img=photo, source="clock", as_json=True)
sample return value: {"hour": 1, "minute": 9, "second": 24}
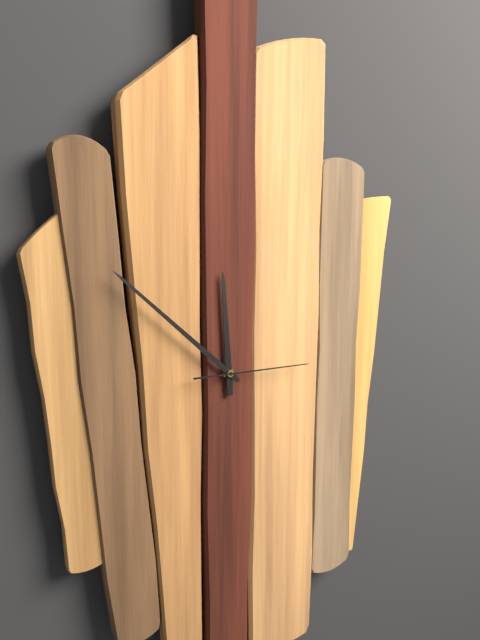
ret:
{"hour": 11, "minute": 52, "second": 15}
